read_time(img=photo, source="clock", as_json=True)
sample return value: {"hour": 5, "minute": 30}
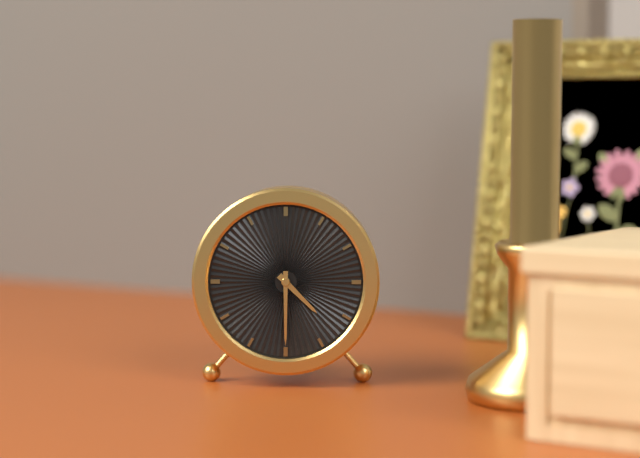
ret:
{"hour": 4, "minute": 30}
